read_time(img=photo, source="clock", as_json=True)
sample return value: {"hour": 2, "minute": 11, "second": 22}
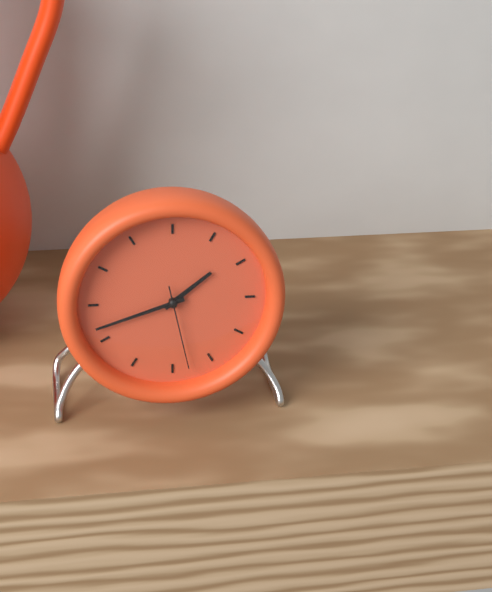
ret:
{"hour": 1, "minute": 42, "second": 28}
